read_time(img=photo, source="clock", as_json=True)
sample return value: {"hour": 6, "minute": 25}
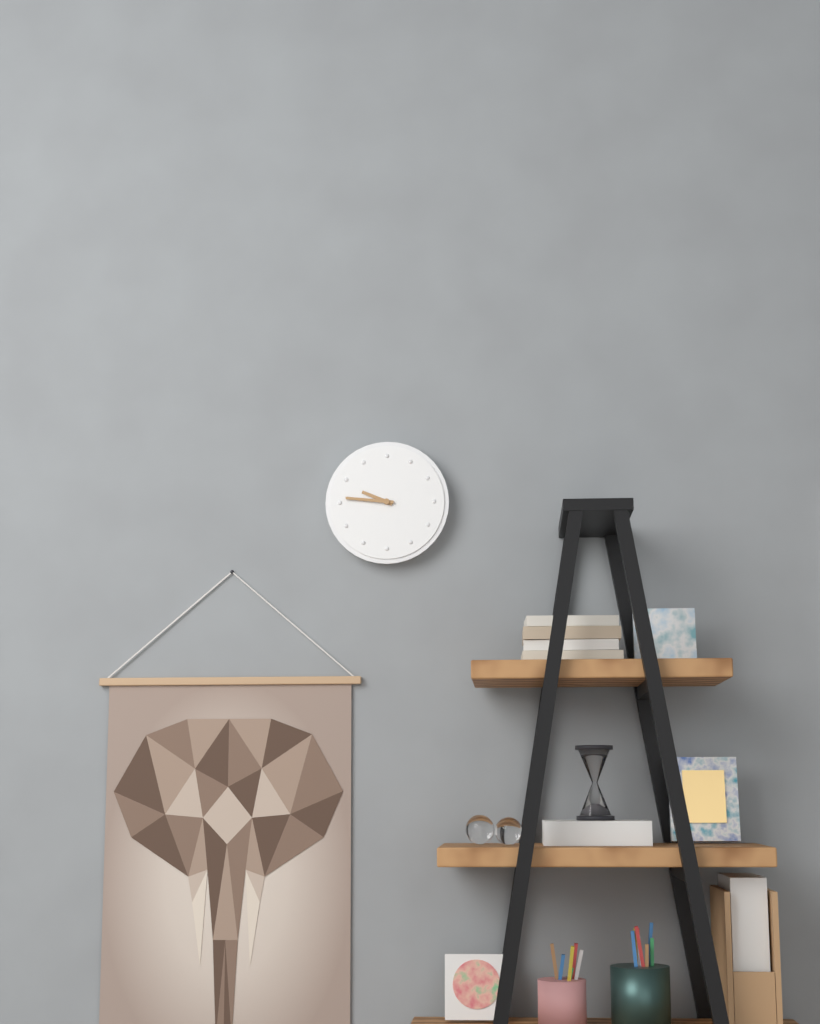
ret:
{"hour": 9, "minute": 46}
